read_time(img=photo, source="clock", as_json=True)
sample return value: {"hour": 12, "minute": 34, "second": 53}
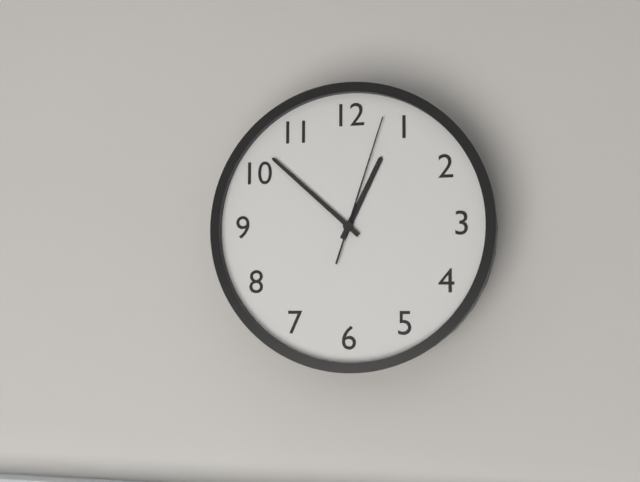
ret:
{"hour": 12, "minute": 52, "second": 3}
